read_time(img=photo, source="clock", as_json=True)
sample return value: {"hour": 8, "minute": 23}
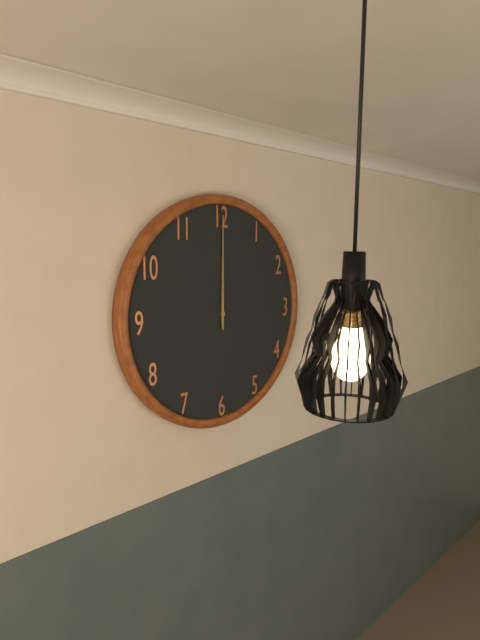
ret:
{"hour": 12, "minute": 0}
